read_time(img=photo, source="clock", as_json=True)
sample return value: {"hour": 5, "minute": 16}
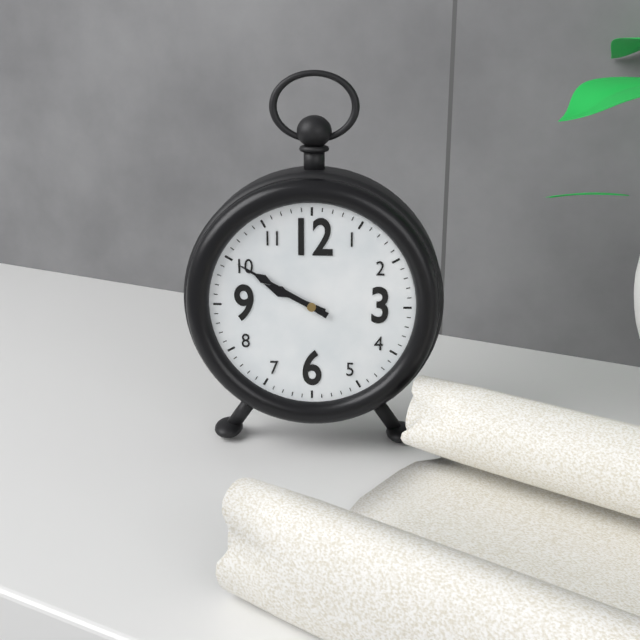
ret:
{"hour": 9, "minute": 50}
